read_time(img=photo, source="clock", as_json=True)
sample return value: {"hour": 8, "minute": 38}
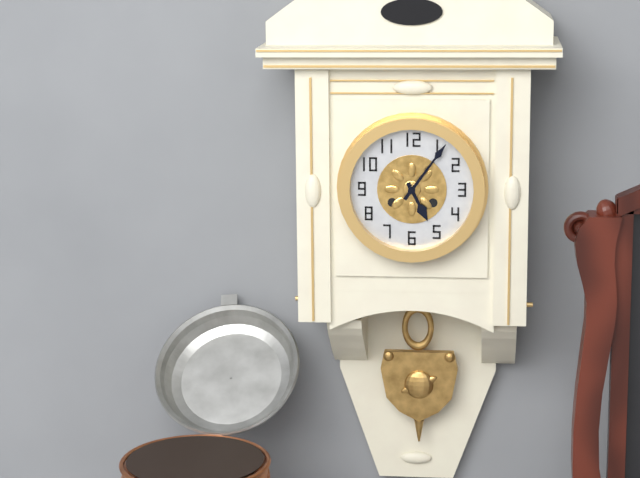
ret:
{"hour": 5, "minute": 6}
